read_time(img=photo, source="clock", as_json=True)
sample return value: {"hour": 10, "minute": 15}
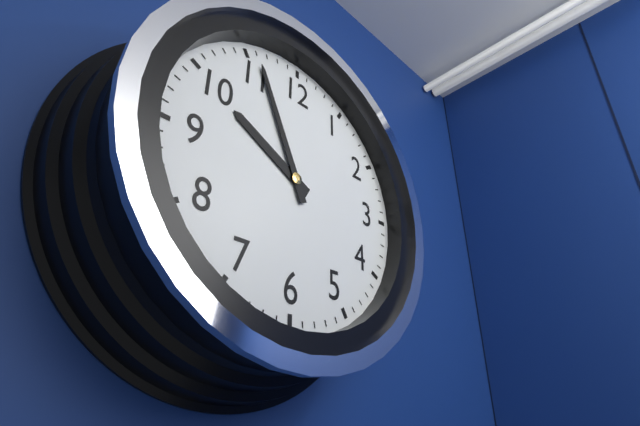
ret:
{"hour": 9, "minute": 56}
